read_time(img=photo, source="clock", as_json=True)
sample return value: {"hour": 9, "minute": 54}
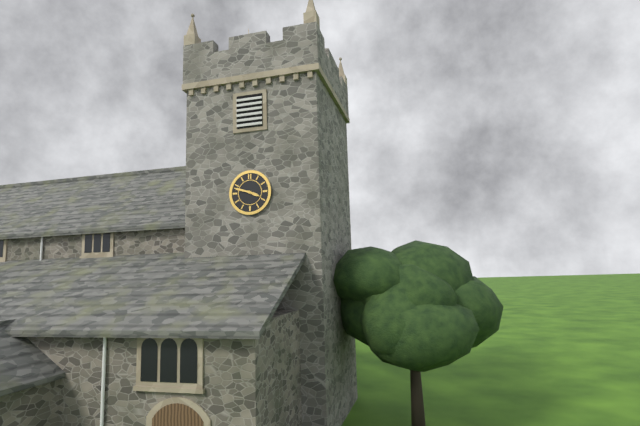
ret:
{"hour": 3, "minute": 48}
